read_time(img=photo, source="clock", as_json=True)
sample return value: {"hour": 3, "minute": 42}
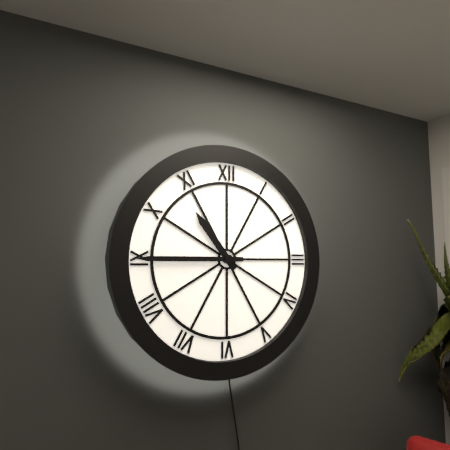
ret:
{"hour": 10, "minute": 45}
